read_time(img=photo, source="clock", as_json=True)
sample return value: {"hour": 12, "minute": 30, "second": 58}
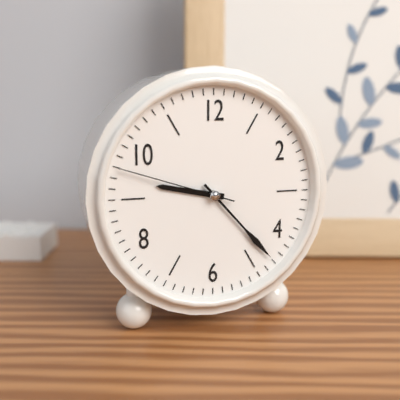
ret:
{"hour": 9, "minute": 23, "second": 48}
